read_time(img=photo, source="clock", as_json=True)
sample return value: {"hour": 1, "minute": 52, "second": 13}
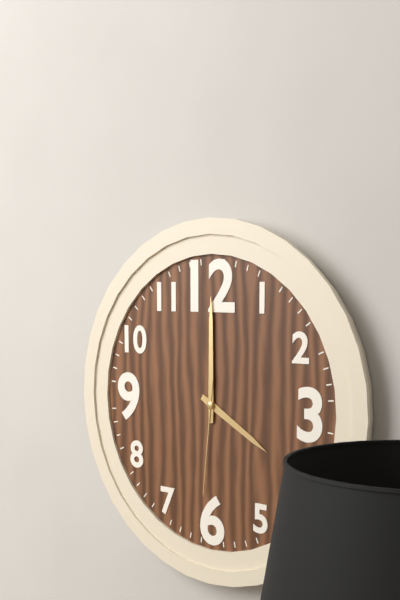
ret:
{"hour": 4, "minute": 0, "second": 31}
